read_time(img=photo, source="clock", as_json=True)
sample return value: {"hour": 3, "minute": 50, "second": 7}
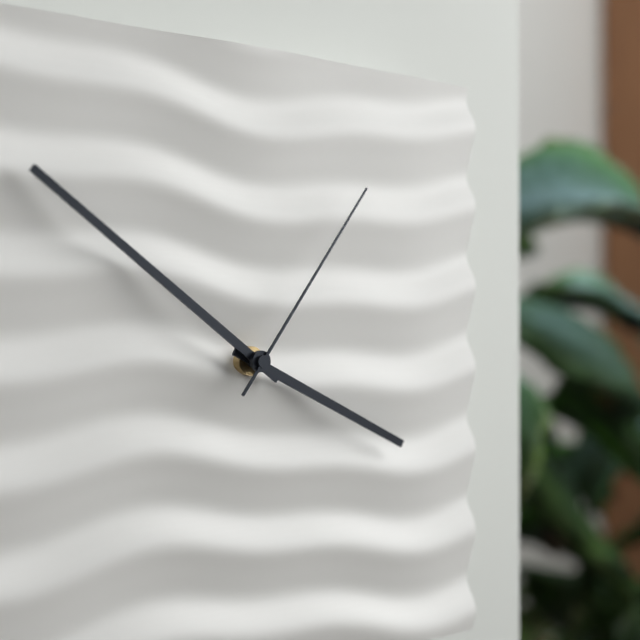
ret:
{"hour": 3, "minute": 51, "second": 6}
